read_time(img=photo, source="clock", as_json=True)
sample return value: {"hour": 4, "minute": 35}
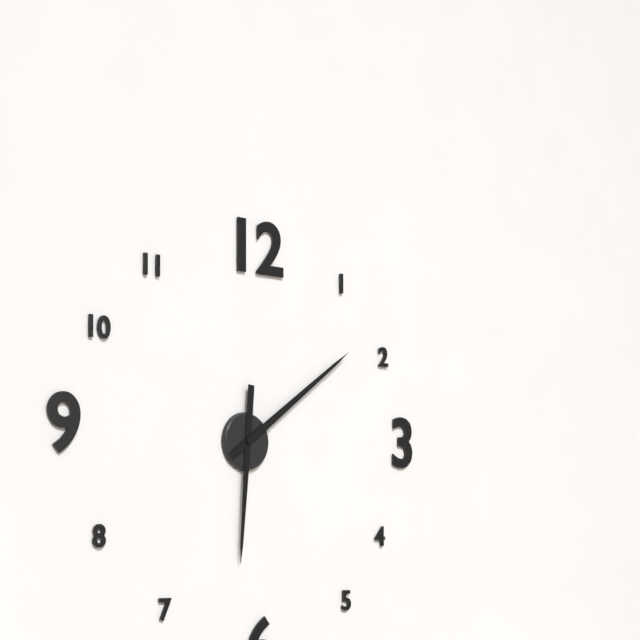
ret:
{"hour": 6, "minute": 9}
